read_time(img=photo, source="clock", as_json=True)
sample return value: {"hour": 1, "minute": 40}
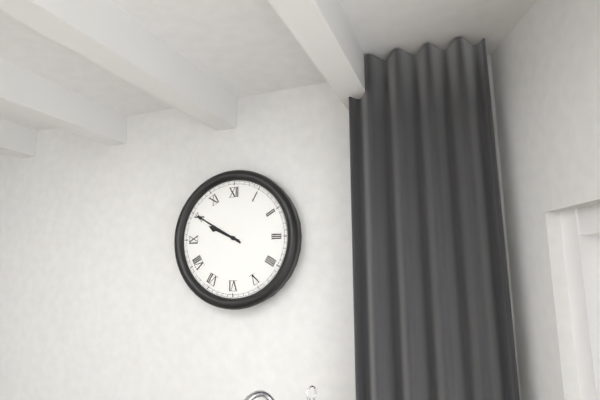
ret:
{"hour": 9, "minute": 50}
